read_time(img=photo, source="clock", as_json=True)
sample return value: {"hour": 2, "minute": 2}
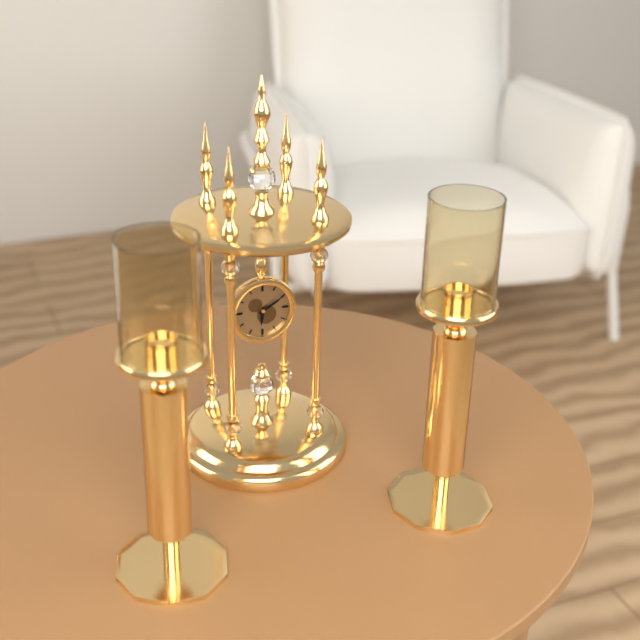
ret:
{"hour": 6, "minute": 10}
